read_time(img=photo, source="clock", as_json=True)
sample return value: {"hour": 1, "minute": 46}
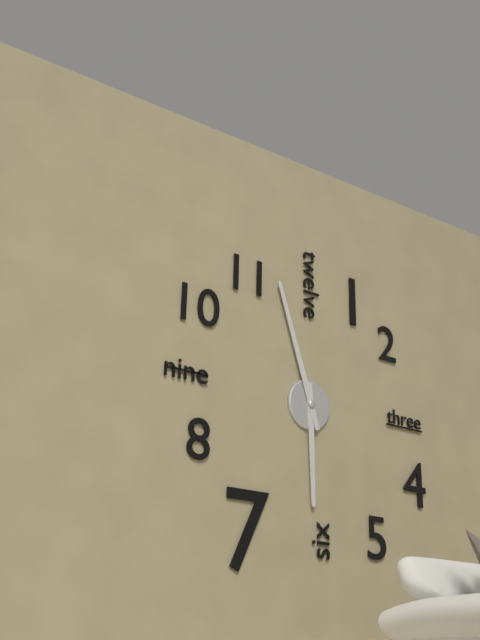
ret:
{"hour": 5, "minute": 57}
